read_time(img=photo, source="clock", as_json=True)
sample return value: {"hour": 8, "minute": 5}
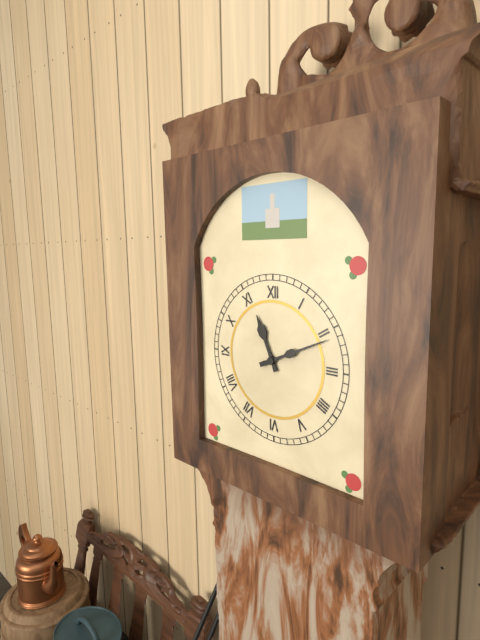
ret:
{"hour": 11, "minute": 11}
